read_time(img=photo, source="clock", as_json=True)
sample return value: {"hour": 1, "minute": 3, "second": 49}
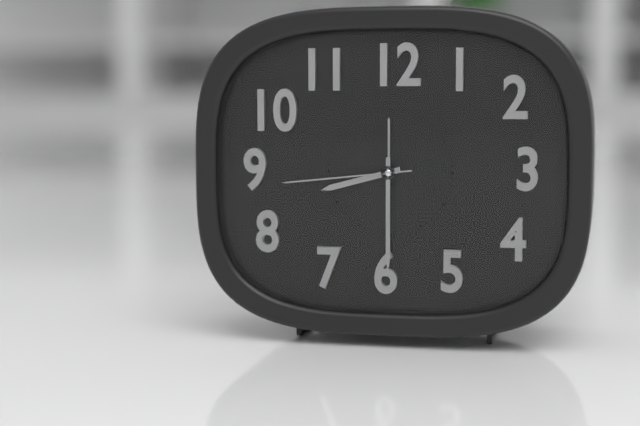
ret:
{"hour": 8, "minute": 30, "second": 44}
